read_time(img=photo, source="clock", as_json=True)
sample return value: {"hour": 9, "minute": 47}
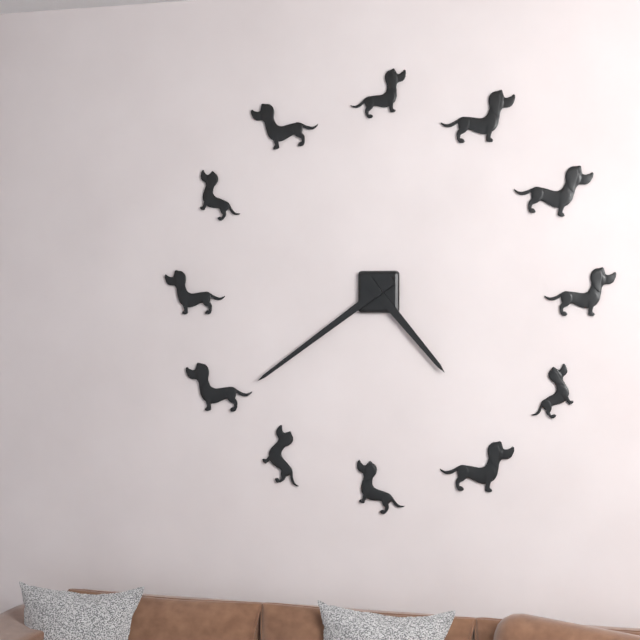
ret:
{"hour": 4, "minute": 39}
